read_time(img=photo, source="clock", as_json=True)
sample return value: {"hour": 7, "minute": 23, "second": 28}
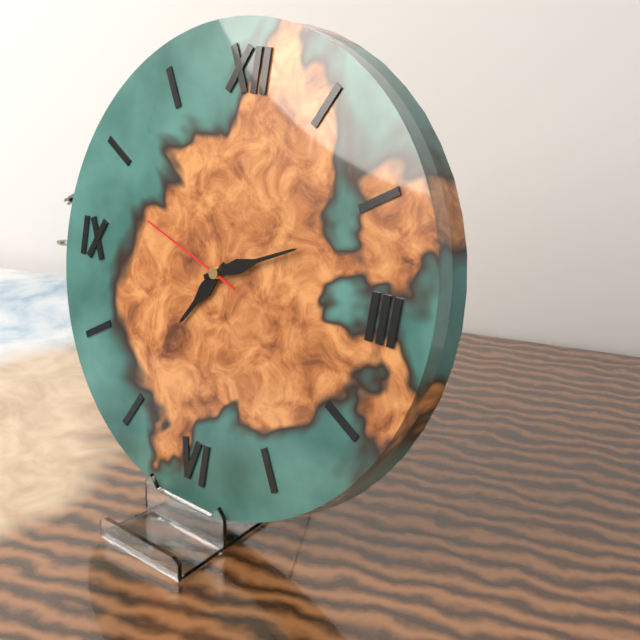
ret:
{"hour": 7, "minute": 11, "second": 48}
